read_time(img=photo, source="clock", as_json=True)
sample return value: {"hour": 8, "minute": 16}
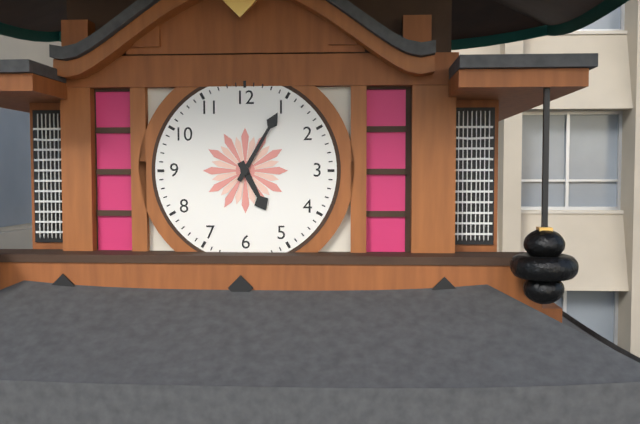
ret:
{"hour": 5, "minute": 5}
